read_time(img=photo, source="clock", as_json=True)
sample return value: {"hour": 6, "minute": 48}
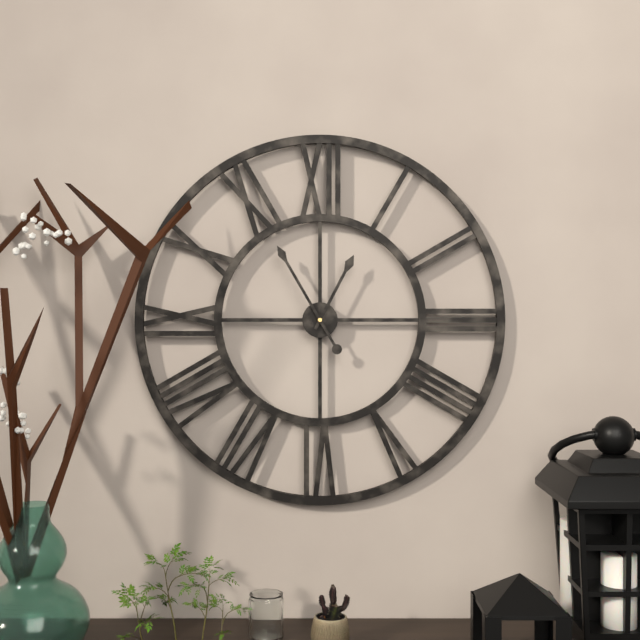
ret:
{"hour": 12, "minute": 55}
